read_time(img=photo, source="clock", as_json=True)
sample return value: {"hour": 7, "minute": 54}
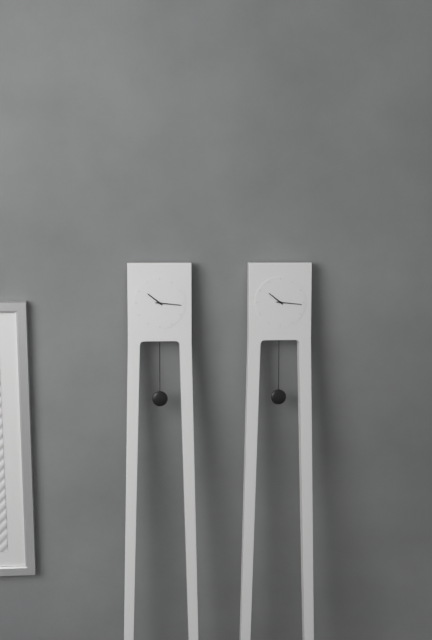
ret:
{"hour": 10, "minute": 16}
